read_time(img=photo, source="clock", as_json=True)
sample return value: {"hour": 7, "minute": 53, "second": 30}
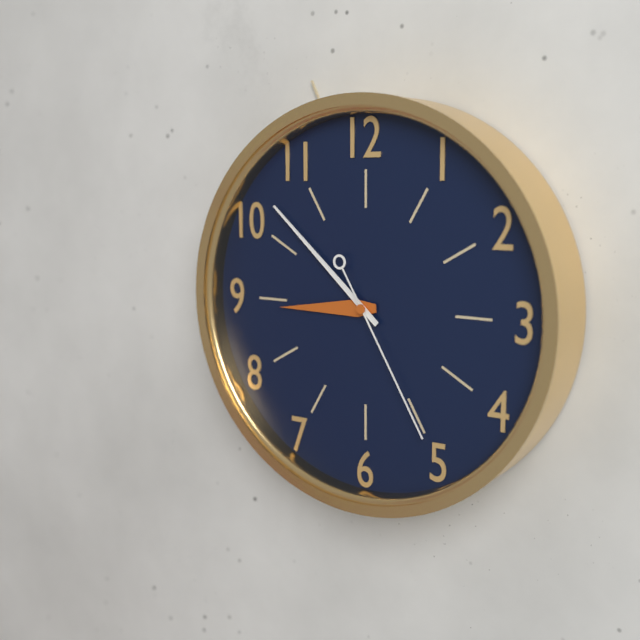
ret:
{"hour": 8, "minute": 52, "second": 25}
